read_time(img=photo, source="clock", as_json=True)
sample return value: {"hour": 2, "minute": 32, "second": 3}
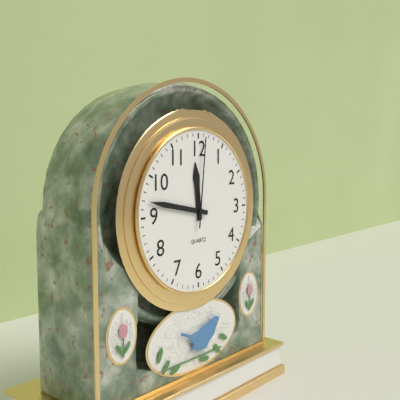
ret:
{"hour": 11, "minute": 47, "second": 1}
